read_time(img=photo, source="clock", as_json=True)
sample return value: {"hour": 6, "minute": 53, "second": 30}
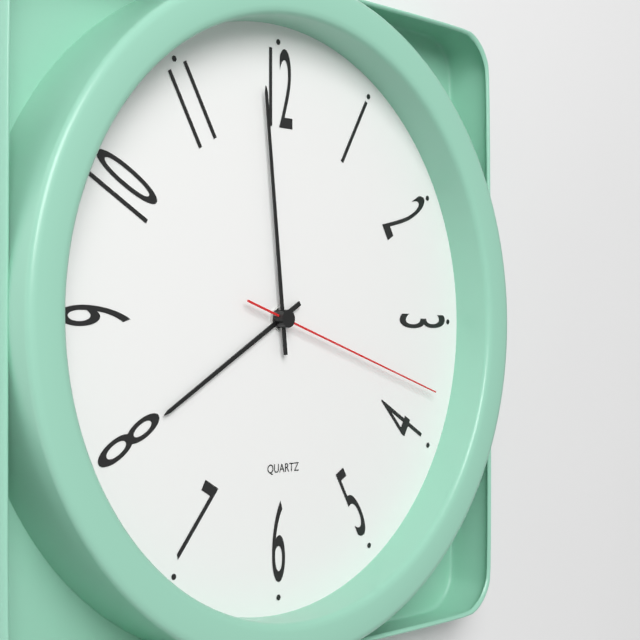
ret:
{"hour": 7, "minute": 59, "second": 18}
